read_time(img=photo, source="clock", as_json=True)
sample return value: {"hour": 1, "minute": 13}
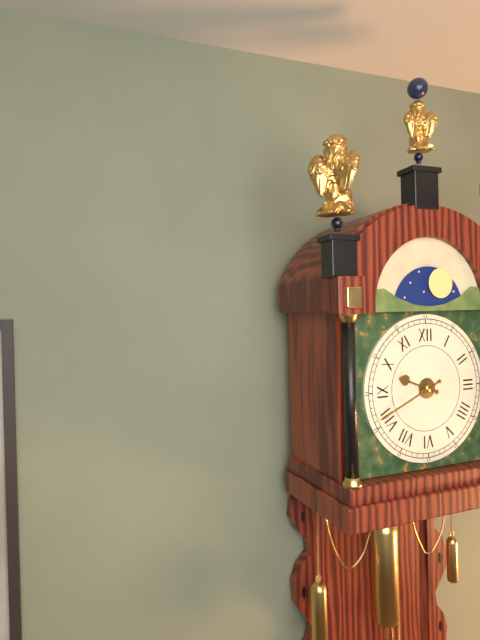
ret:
{"hour": 9, "minute": 41}
